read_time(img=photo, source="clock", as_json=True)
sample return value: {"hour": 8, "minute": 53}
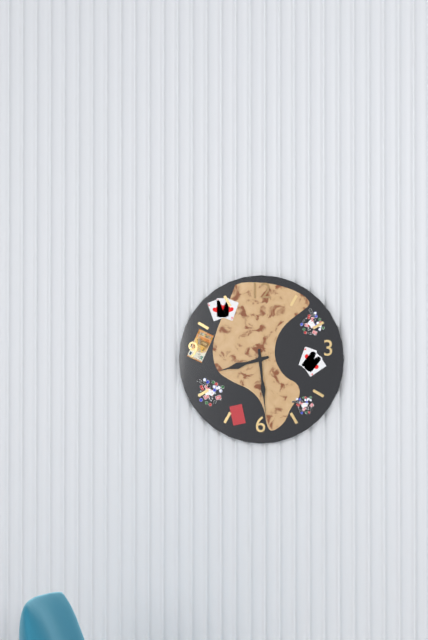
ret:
{"hour": 8, "minute": 29}
